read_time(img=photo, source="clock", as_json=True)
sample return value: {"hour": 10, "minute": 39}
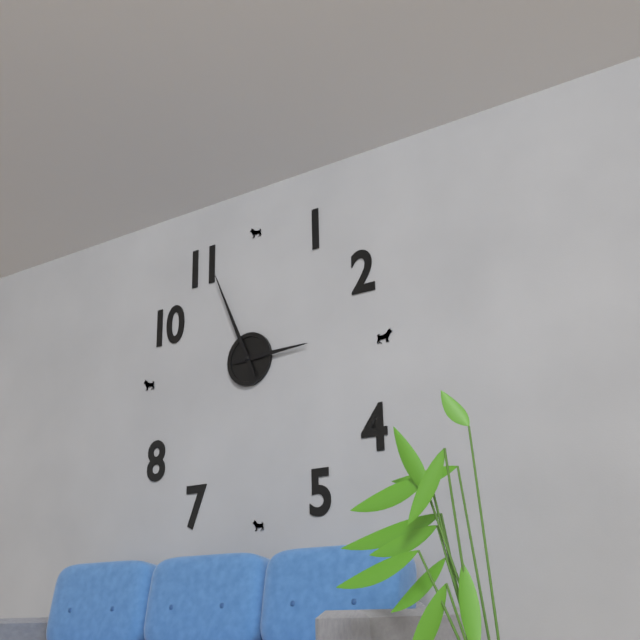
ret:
{"hour": 2, "minute": 56}
